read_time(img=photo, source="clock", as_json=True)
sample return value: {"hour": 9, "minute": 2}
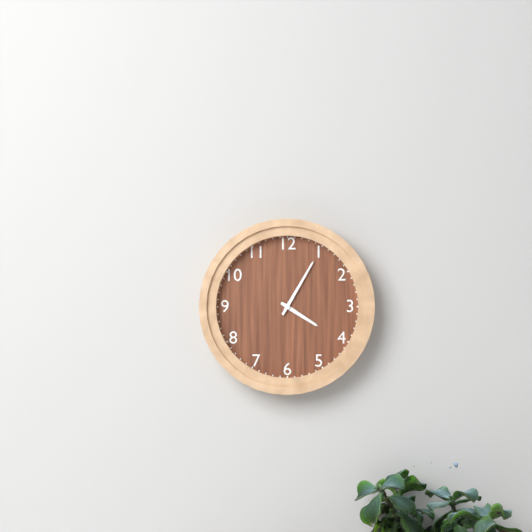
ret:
{"hour": 4, "minute": 5}
